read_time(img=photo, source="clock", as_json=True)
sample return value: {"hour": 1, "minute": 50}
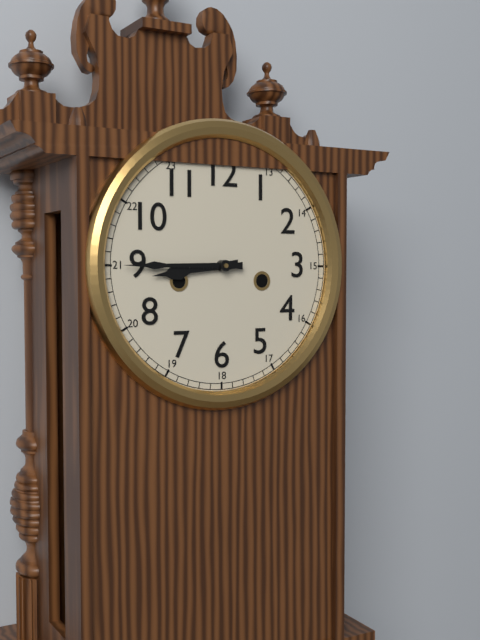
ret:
{"hour": 8, "minute": 45}
